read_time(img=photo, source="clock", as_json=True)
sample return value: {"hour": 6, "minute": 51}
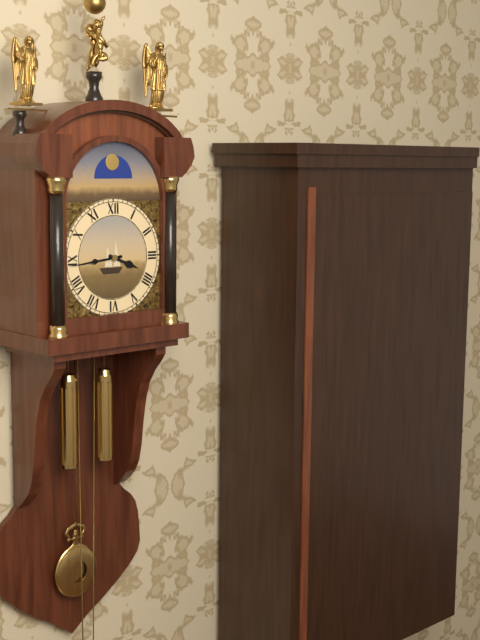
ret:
{"hour": 3, "minute": 44}
